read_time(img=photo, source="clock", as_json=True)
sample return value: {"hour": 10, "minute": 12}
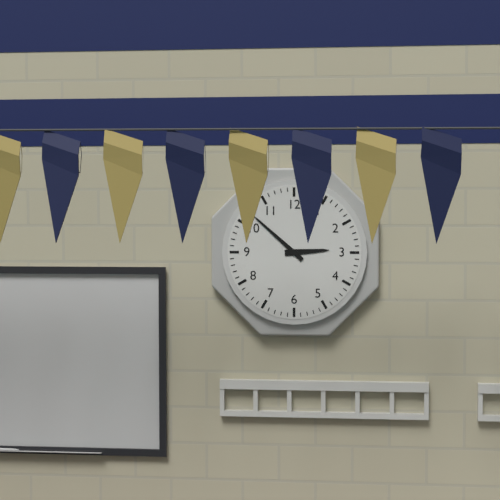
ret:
{"hour": 2, "minute": 52}
